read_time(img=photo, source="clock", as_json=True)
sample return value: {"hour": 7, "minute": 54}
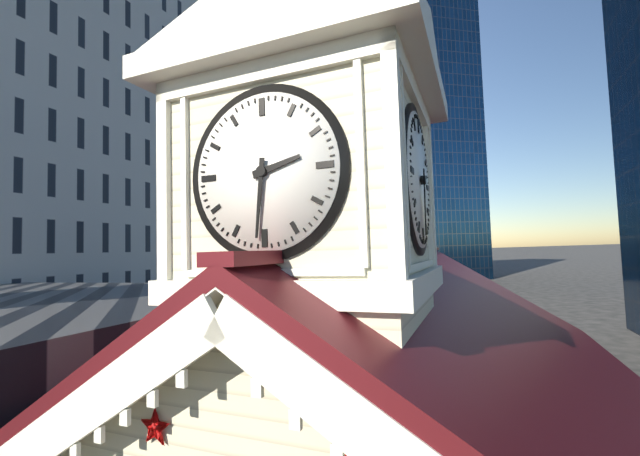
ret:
{"hour": 2, "minute": 31}
